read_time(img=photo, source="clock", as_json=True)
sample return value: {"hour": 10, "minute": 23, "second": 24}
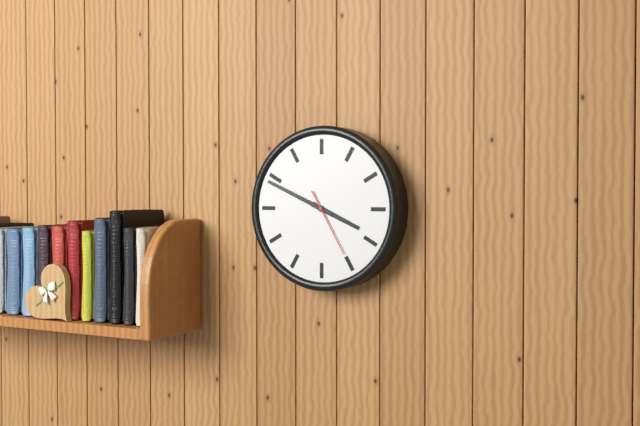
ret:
{"hour": 3, "minute": 49, "second": 25}
